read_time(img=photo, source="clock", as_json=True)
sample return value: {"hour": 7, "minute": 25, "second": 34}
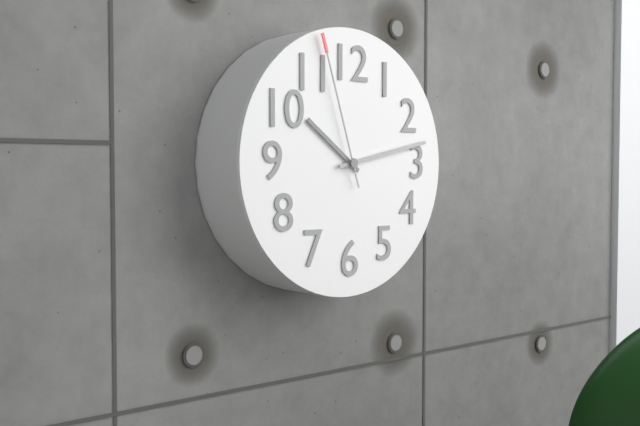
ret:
{"hour": 10, "minute": 13, "second": 57}
